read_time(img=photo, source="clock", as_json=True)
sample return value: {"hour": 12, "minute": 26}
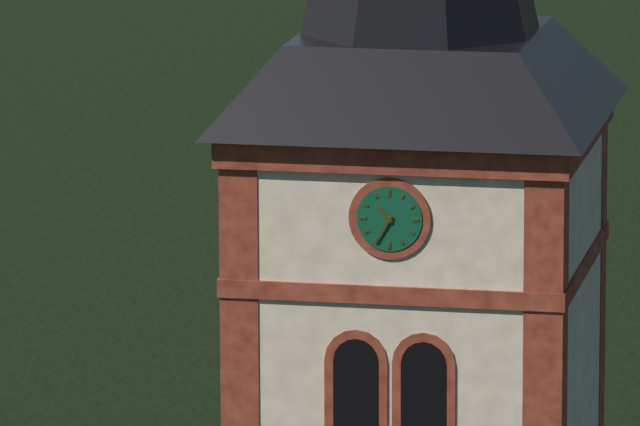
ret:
{"hour": 10, "minute": 35}
